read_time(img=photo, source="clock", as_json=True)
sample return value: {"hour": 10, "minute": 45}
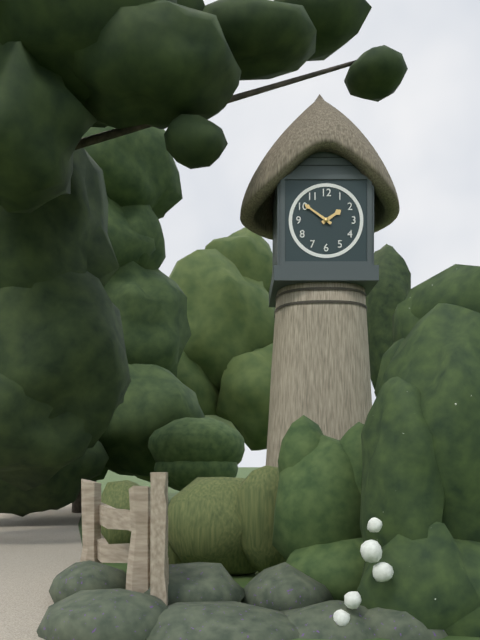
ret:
{"hour": 1, "minute": 51}
